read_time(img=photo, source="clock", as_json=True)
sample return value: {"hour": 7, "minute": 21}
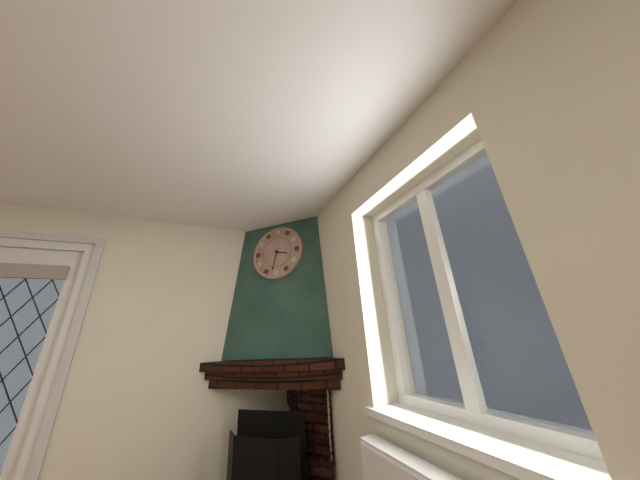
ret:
{"hour": 3, "minute": 32}
